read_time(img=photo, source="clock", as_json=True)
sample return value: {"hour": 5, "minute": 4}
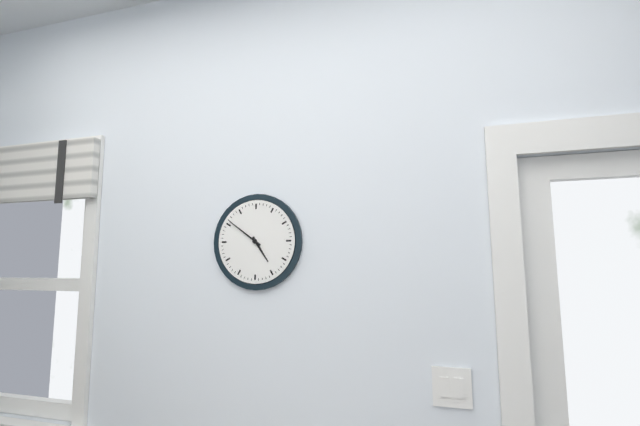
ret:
{"hour": 4, "minute": 51}
